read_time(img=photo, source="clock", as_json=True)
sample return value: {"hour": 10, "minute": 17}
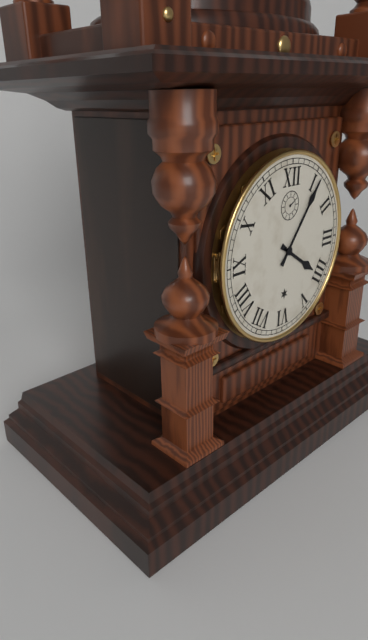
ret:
{"hour": 4, "minute": 6}
